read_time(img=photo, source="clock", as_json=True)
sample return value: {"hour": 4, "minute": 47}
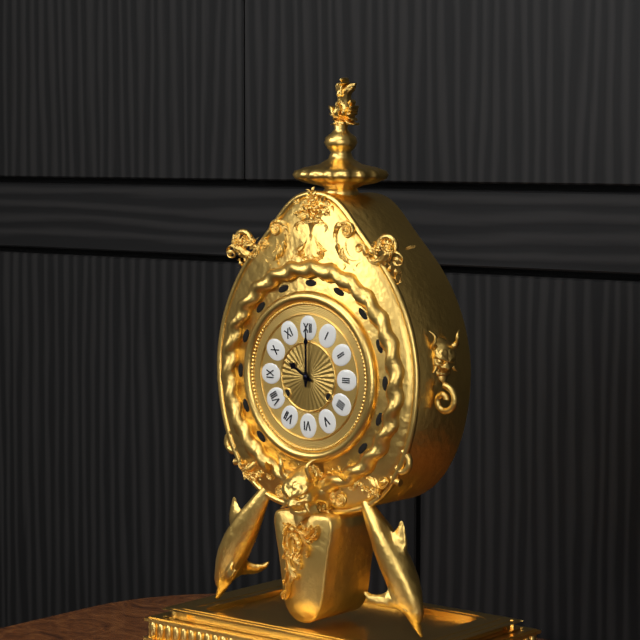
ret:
{"hour": 10, "minute": 0}
